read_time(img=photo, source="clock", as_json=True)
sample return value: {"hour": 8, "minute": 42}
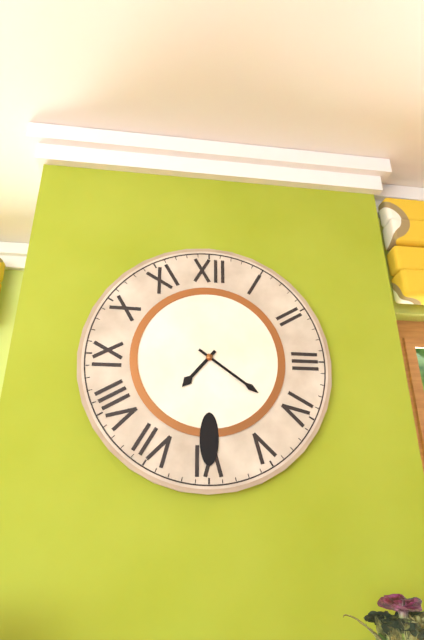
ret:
{"hour": 7, "minute": 21}
